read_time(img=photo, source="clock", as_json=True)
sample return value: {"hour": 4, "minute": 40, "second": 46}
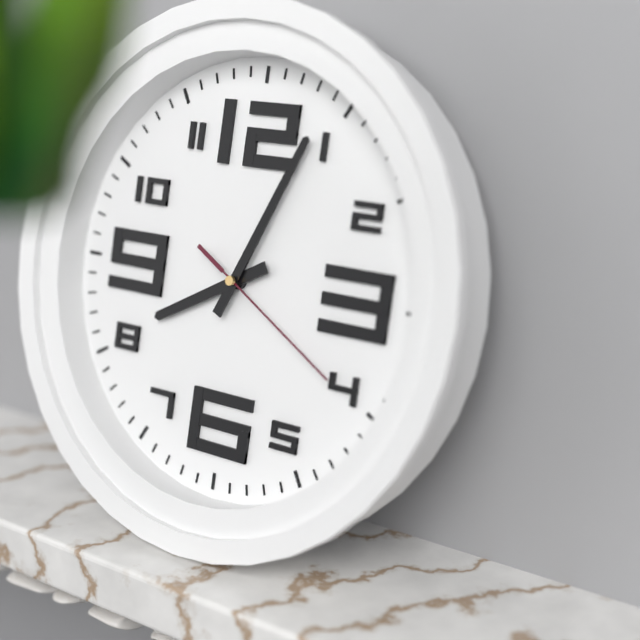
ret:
{"hour": 8, "minute": 4, "second": 20}
